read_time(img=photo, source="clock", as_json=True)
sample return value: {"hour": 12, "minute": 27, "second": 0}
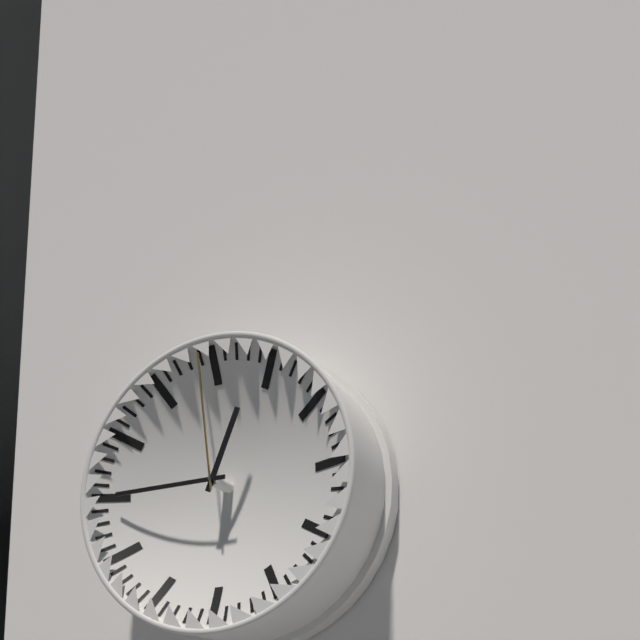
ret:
{"hour": 12, "minute": 45, "second": 59}
